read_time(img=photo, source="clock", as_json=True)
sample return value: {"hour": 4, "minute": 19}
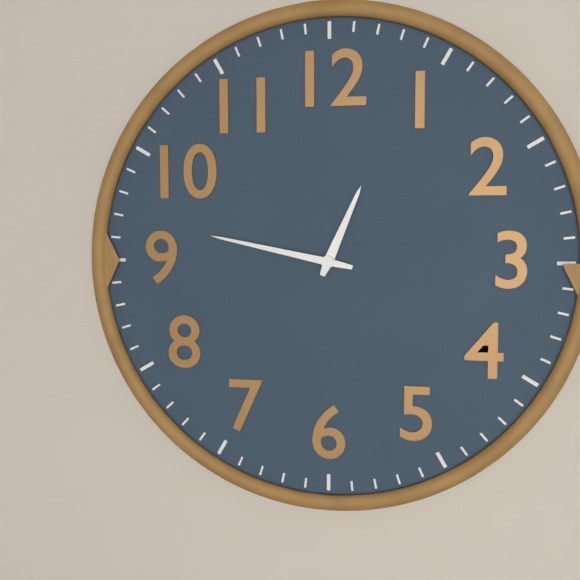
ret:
{"hour": 12, "minute": 47}
